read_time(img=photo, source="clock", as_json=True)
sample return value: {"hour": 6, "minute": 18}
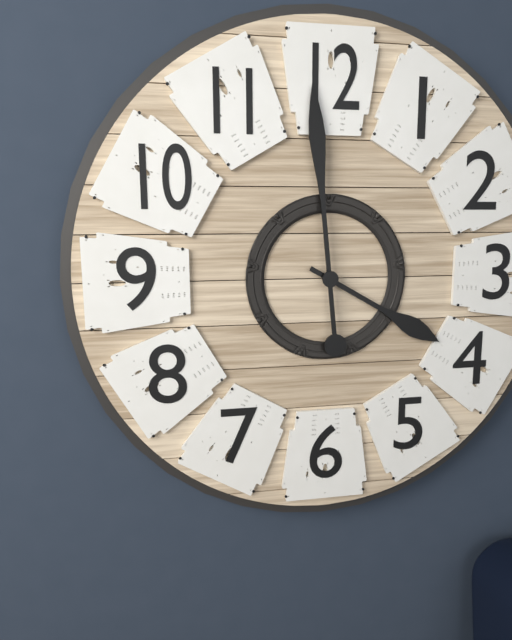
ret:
{"hour": 3, "minute": 59}
